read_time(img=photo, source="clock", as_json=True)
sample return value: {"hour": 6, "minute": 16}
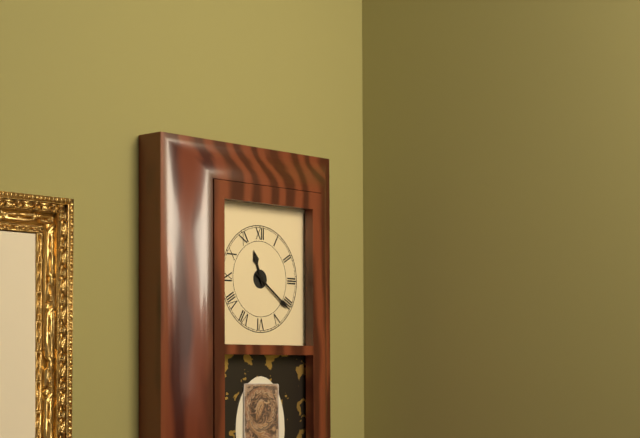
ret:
{"hour": 11, "minute": 21}
